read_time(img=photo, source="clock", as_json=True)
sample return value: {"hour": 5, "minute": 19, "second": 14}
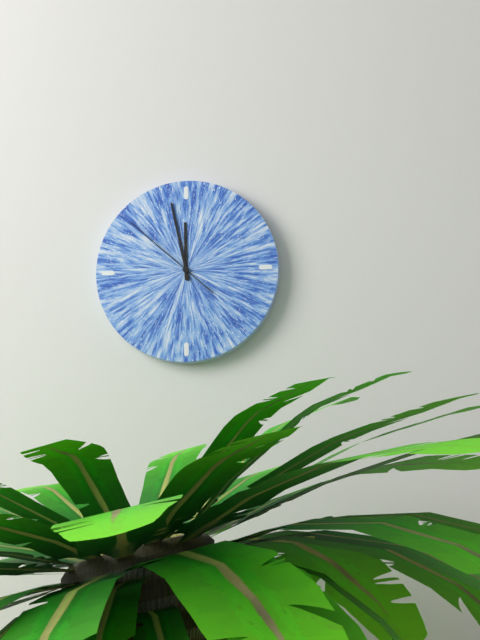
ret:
{"hour": 11, "minute": 58, "second": 52}
